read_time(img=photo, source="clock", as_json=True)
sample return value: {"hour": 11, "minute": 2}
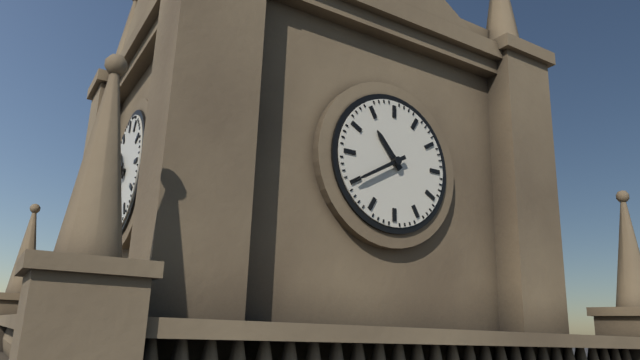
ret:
{"hour": 10, "minute": 40}
